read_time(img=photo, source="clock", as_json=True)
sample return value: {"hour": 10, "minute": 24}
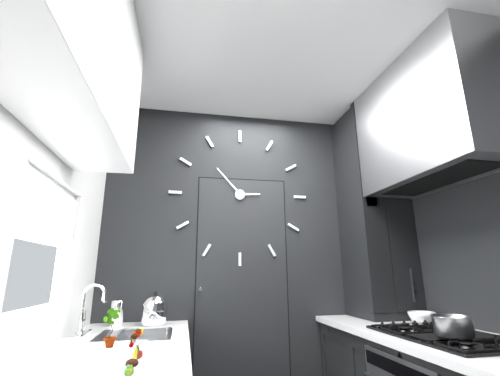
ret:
{"hour": 2, "minute": 53}
